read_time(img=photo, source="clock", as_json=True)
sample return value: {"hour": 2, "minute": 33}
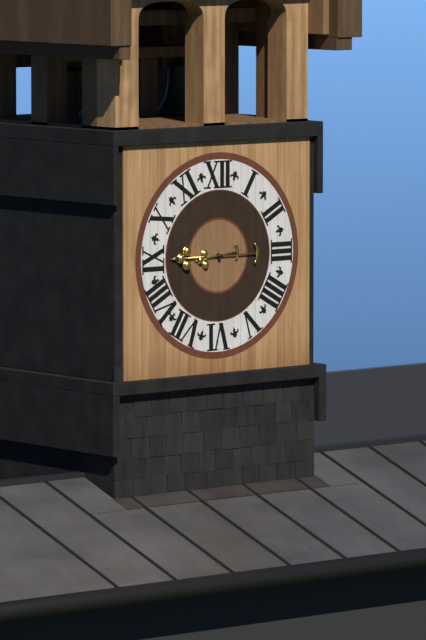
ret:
{"hour": 8, "minute": 45}
